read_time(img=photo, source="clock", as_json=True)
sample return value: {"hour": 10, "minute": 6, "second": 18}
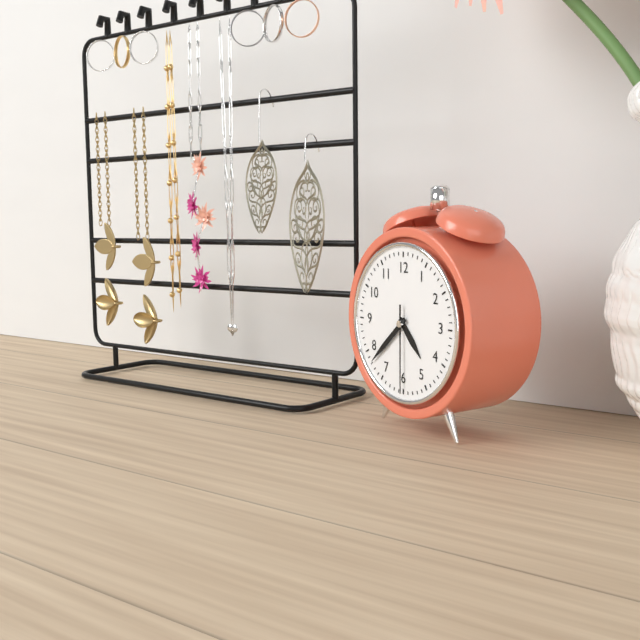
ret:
{"hour": 4, "minute": 38, "second": 30}
